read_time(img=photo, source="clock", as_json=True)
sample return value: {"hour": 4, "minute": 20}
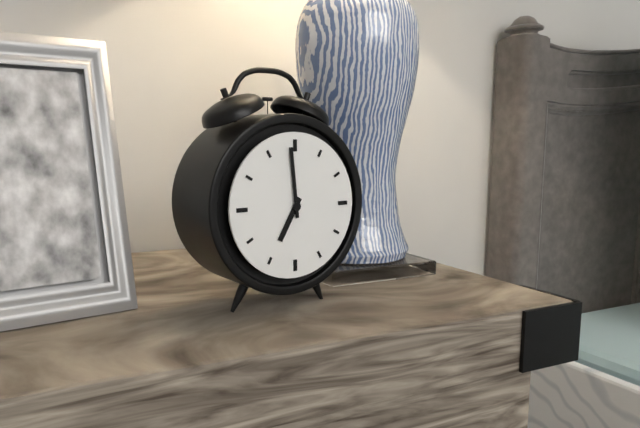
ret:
{"hour": 6, "minute": 59}
